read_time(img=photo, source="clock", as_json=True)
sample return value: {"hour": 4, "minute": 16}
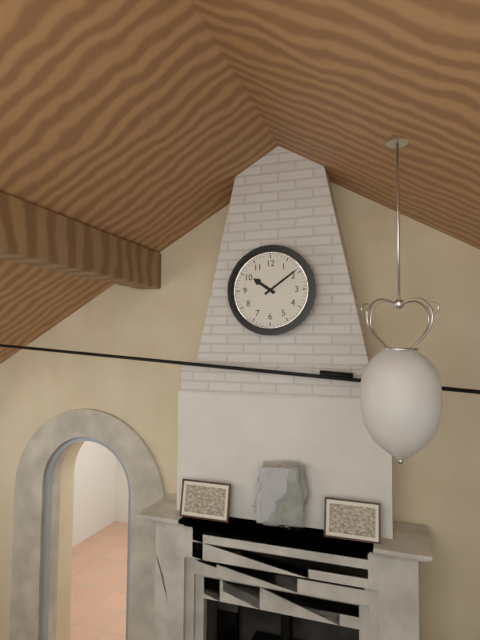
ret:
{"hour": 10, "minute": 9}
